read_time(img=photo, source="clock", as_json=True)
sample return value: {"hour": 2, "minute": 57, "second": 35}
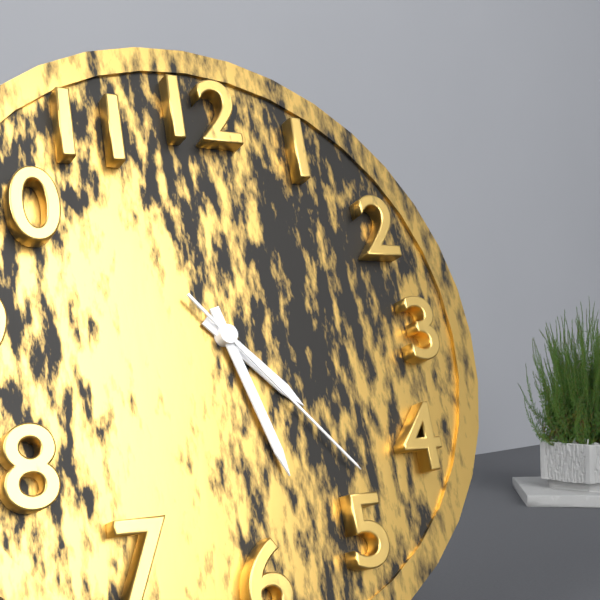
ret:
{"hour": 4, "minute": 27, "second": 23}
